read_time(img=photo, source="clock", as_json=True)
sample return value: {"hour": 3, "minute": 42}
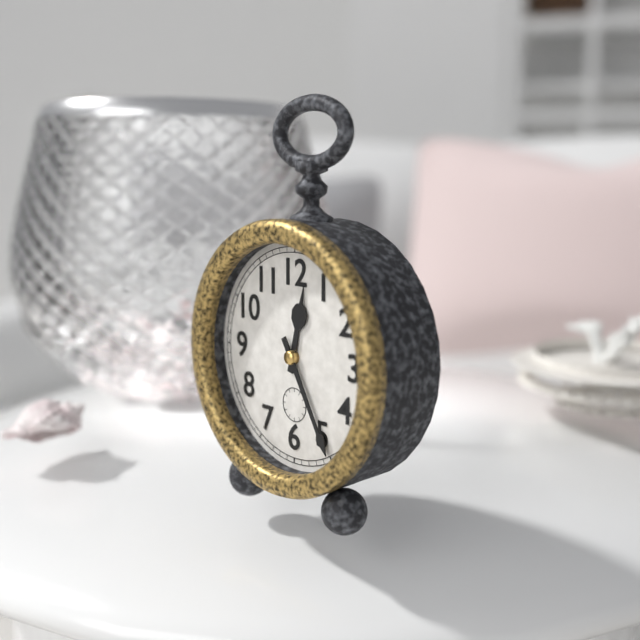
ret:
{"hour": 12, "minute": 25}
